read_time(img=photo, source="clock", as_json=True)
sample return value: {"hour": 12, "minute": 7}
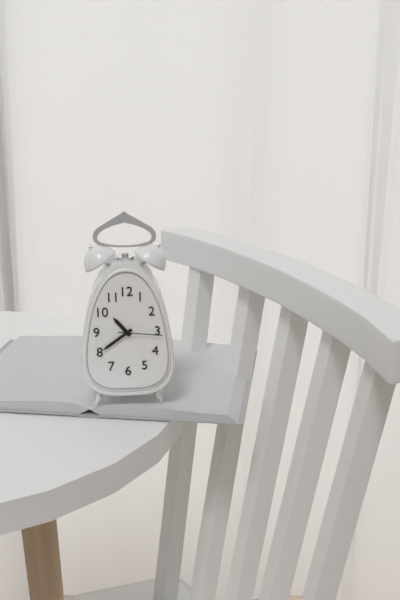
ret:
{"hour": 10, "minute": 39}
